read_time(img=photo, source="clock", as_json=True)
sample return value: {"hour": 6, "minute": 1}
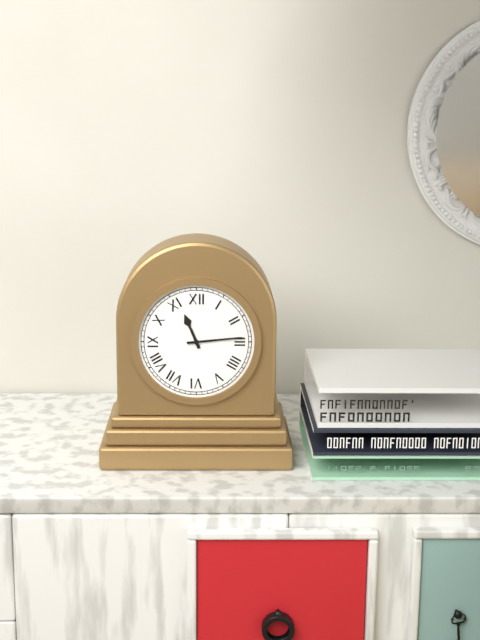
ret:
{"hour": 11, "minute": 14}
